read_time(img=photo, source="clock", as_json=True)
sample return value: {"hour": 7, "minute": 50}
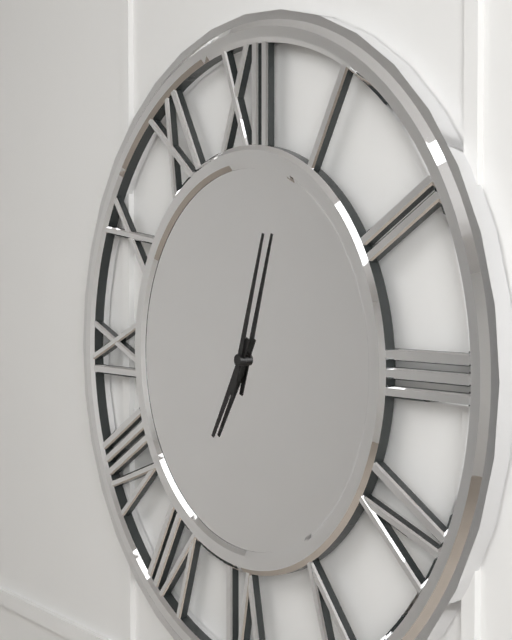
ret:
{"hour": 7, "minute": 3}
